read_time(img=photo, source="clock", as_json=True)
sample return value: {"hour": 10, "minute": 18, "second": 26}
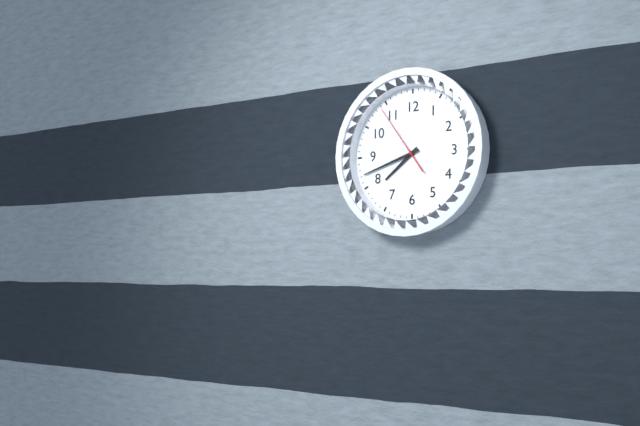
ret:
{"hour": 7, "minute": 42, "second": 54}
